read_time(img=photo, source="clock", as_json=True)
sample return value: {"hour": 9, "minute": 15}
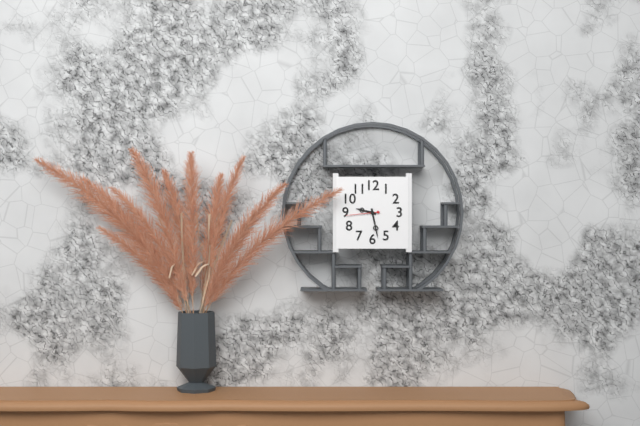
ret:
{"hour": 9, "minute": 28}
